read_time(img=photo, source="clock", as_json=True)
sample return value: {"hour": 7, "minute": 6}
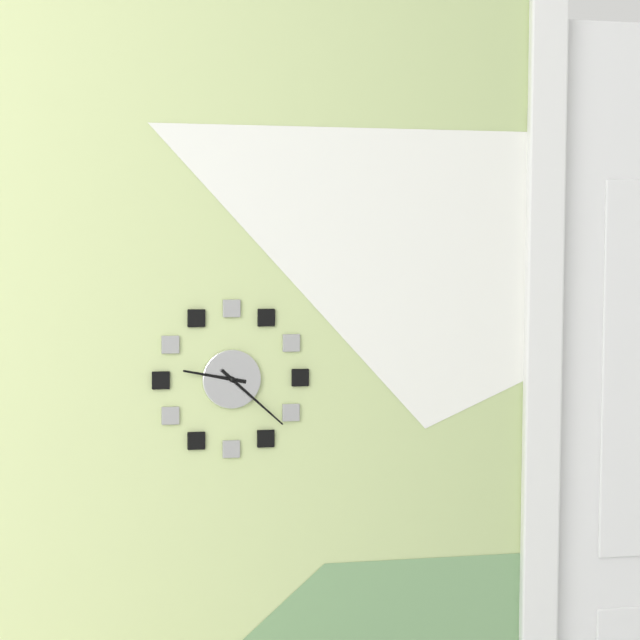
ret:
{"hour": 9, "minute": 22}
